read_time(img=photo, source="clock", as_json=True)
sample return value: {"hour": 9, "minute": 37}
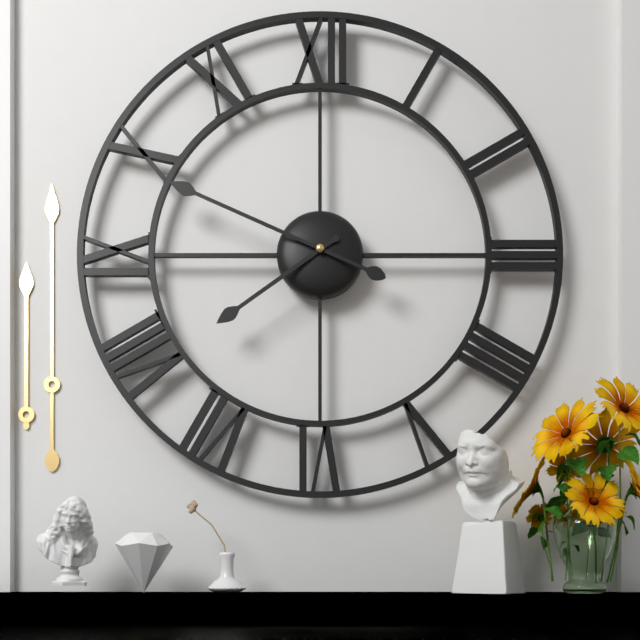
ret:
{"hour": 7, "minute": 49}
